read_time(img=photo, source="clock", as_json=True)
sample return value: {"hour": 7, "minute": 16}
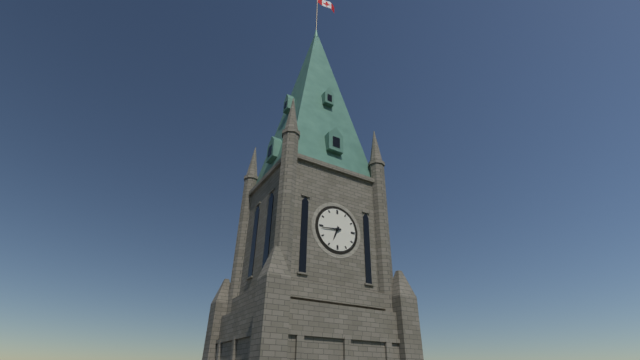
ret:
{"hour": 6, "minute": 44}
